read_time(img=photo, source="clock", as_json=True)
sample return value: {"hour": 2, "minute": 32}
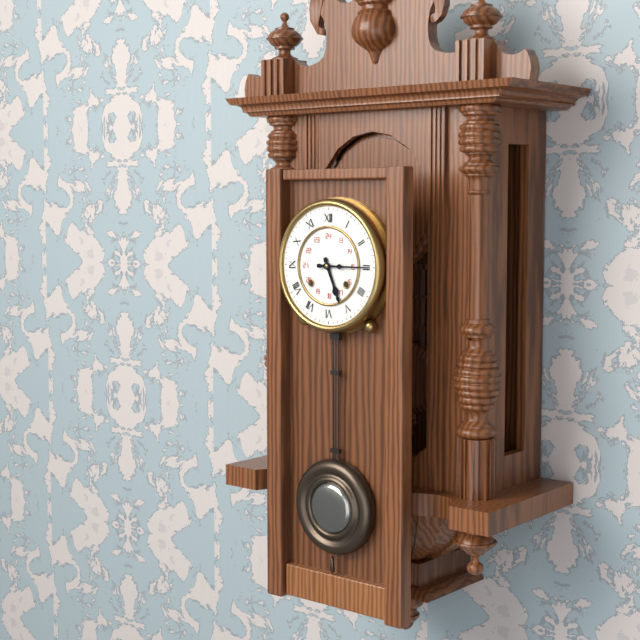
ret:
{"hour": 5, "minute": 15}
